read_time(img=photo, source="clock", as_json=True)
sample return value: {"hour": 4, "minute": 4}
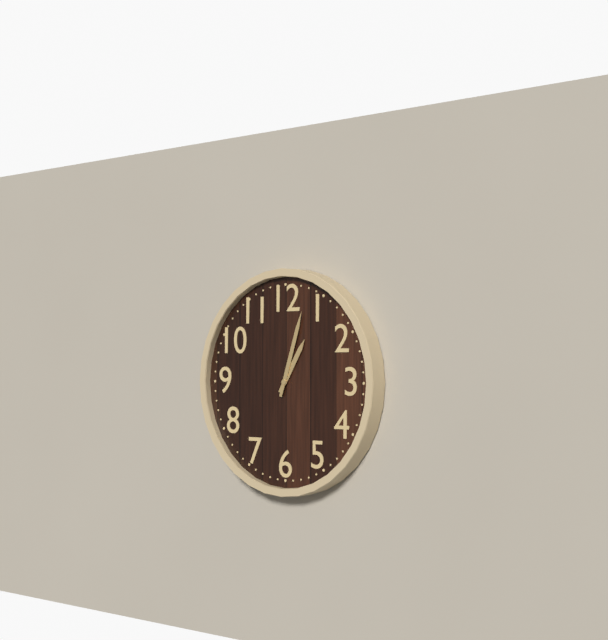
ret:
{"hour": 1, "minute": 3}
